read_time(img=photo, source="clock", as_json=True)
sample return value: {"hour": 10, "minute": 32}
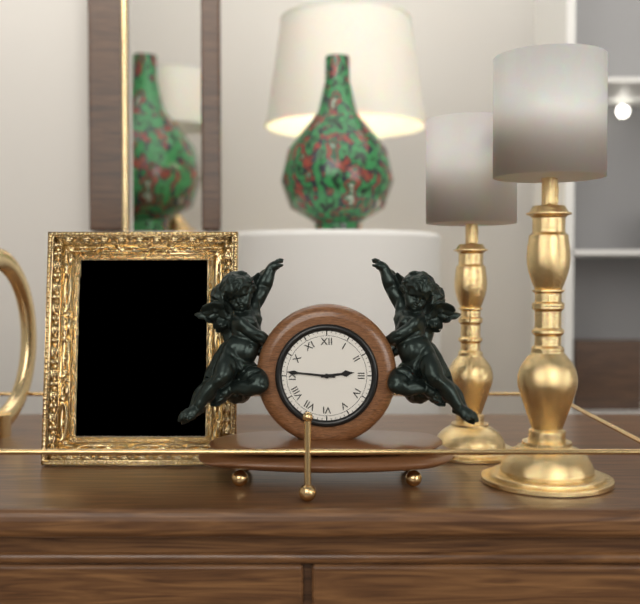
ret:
{"hour": 2, "minute": 46}
